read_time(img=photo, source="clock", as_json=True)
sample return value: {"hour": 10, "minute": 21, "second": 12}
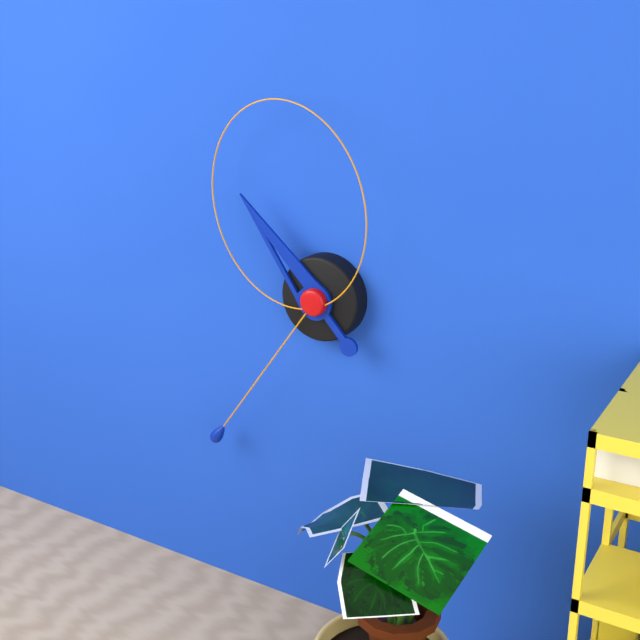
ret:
{"hour": 10, "minute": 36, "second": 57}
